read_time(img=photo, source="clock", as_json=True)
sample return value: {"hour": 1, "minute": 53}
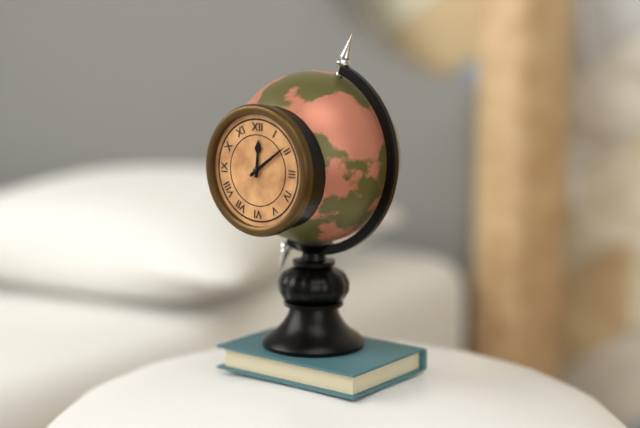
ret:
{"hour": 12, "minute": 9}
